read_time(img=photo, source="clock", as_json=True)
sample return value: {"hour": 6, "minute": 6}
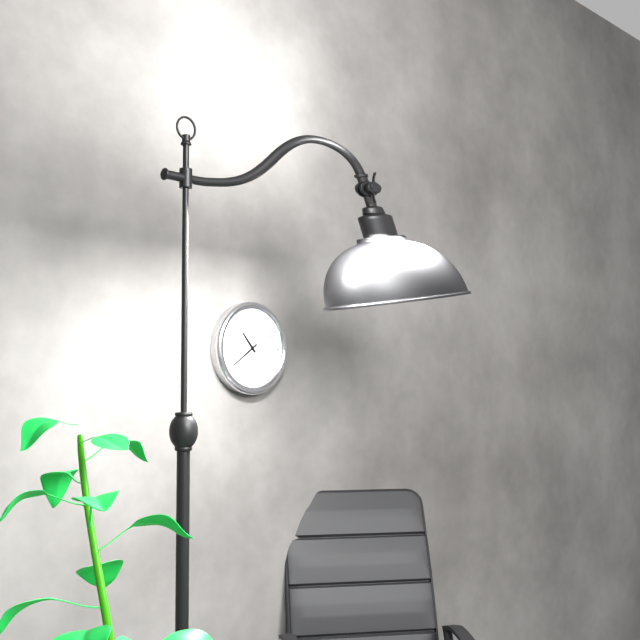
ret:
{"hour": 10, "minute": 39}
